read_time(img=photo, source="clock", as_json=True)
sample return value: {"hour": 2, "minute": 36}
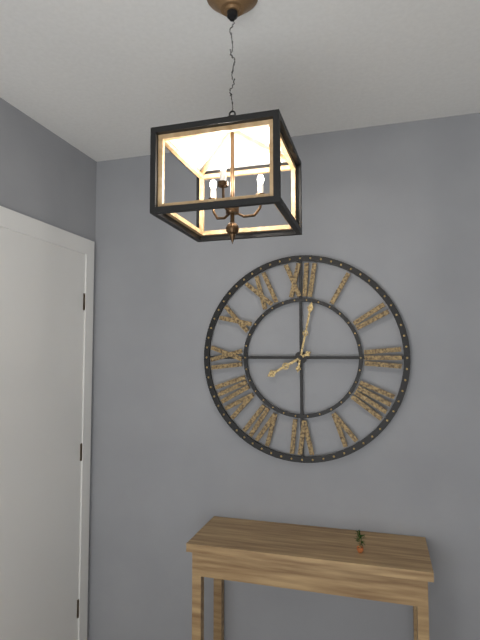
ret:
{"hour": 8, "minute": 2}
